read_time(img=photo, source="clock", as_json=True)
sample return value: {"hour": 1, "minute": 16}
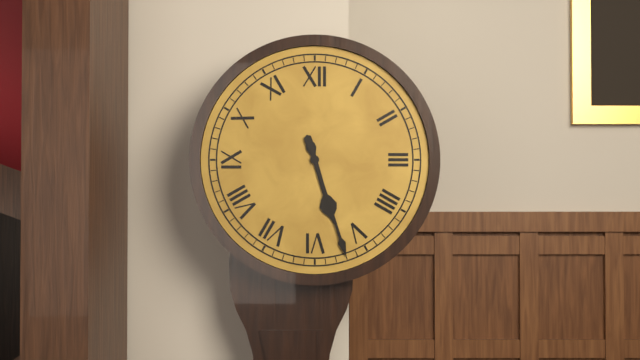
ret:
{"hour": 5, "minute": 27}
